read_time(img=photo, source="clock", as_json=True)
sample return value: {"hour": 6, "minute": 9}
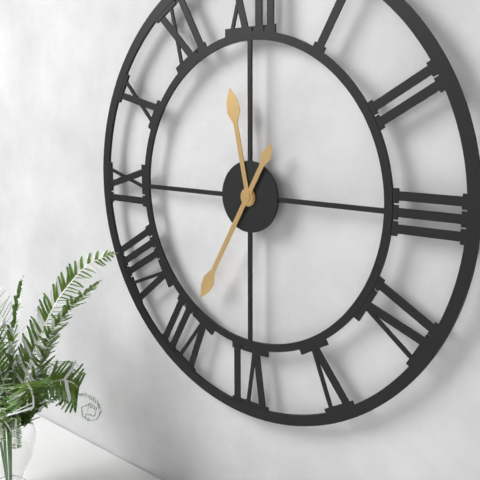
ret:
{"hour": 11, "minute": 35}
